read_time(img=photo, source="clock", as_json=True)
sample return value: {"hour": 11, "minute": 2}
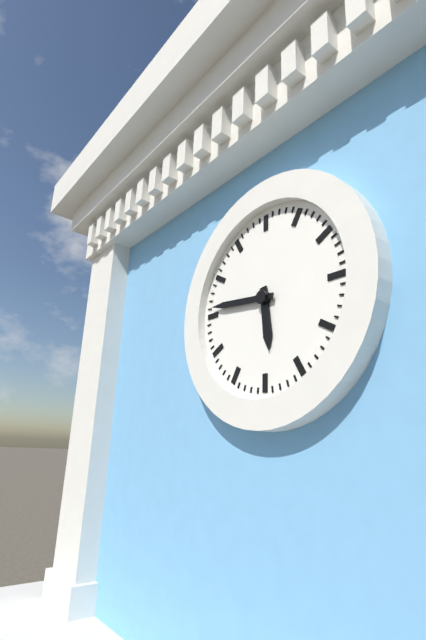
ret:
{"hour": 5, "minute": 46}
